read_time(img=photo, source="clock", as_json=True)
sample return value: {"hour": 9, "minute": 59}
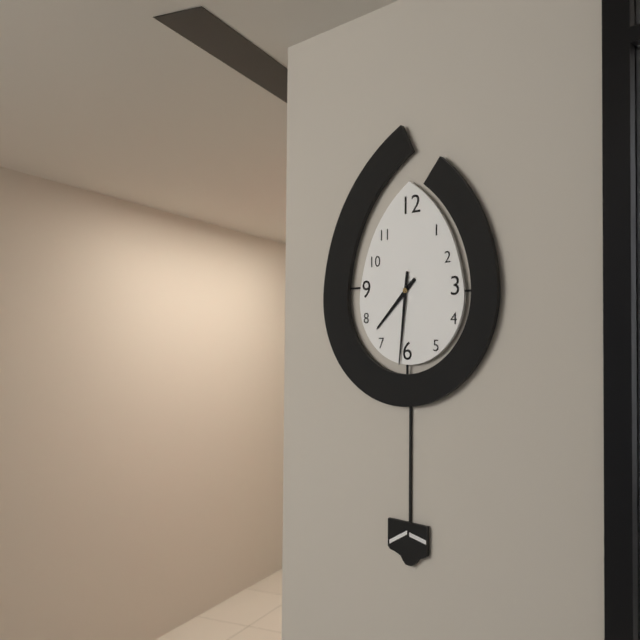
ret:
{"hour": 7, "minute": 31}
